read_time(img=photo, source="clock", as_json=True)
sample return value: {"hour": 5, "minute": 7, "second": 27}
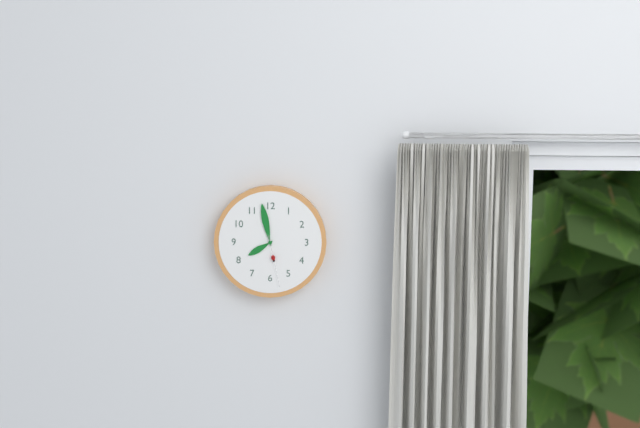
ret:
{"hour": 7, "minute": 58, "second": 28}
